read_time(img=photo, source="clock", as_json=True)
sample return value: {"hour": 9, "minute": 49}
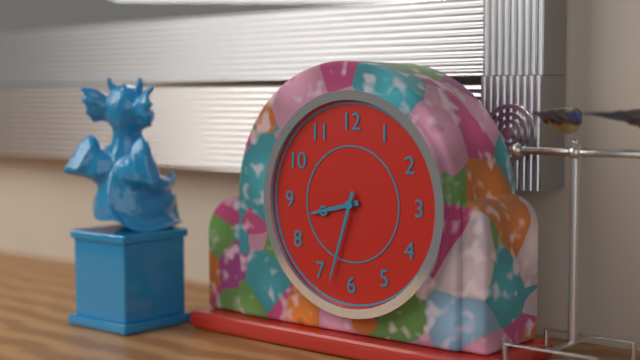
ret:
{"hour": 8, "minute": 33}
